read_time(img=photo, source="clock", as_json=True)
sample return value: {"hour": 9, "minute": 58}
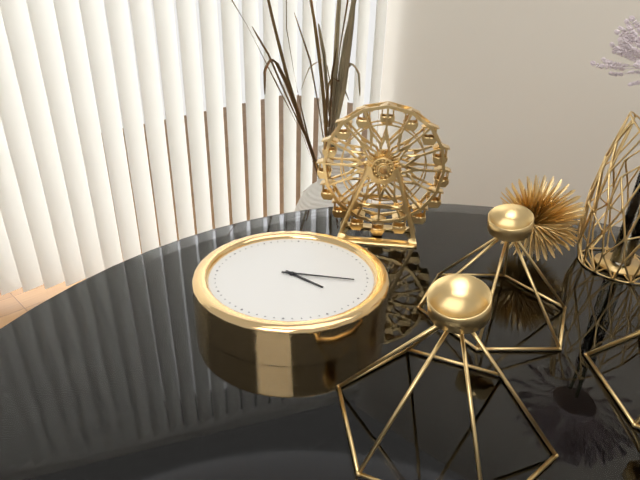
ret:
{"hour": 3, "minute": 11}
